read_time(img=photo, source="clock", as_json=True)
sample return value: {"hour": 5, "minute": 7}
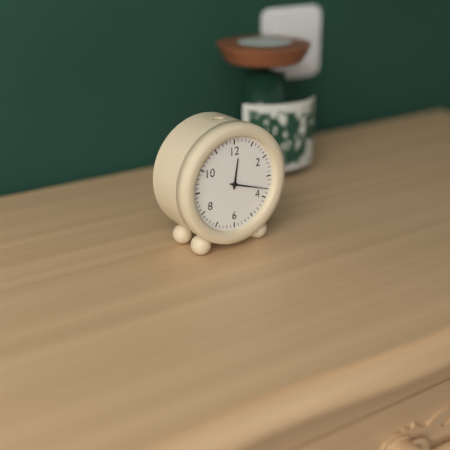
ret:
{"hour": 12, "minute": 18}
